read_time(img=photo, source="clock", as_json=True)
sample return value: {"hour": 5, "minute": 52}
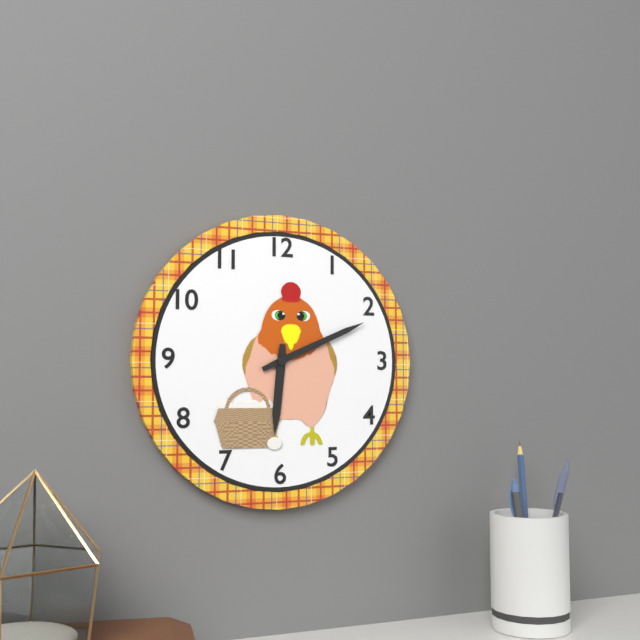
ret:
{"hour": 6, "minute": 11}
